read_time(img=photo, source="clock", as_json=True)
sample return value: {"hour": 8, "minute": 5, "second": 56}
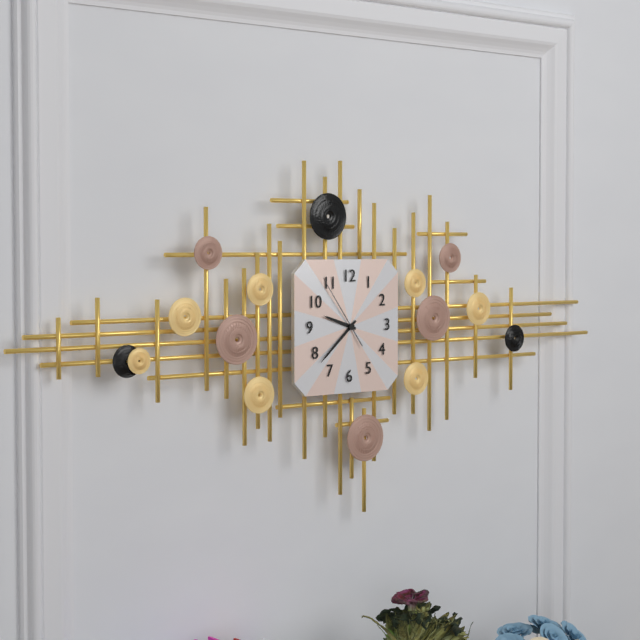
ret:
{"hour": 9, "minute": 38, "second": 54}
